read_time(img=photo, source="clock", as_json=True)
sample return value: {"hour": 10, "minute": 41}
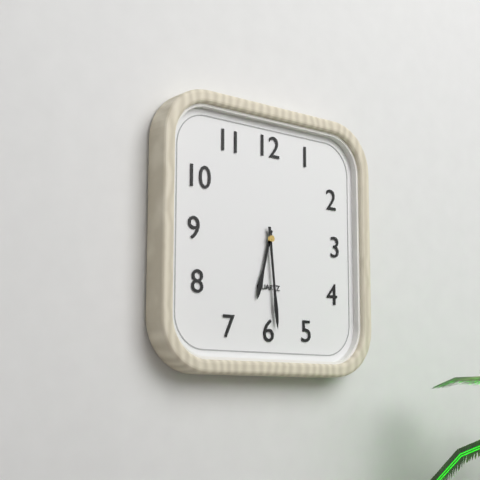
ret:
{"hour": 6, "minute": 29}
